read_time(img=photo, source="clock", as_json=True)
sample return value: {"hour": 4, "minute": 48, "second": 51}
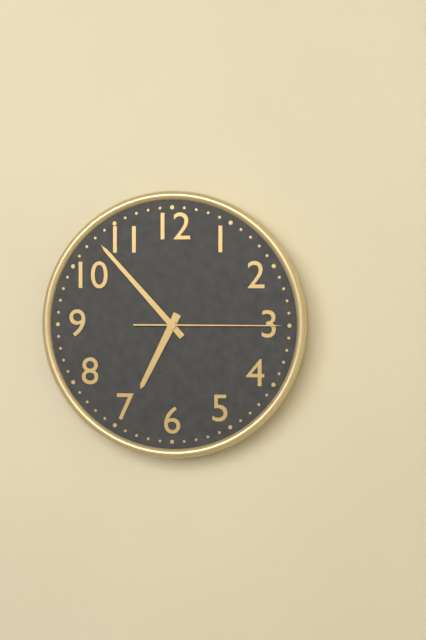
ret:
{"hour": 6, "minute": 53, "second": 15}
